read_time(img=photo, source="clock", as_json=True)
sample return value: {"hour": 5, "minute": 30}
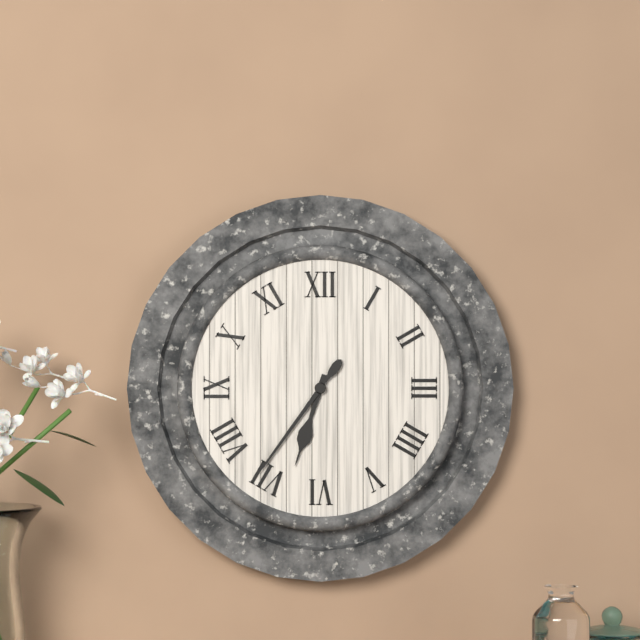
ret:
{"hour": 6, "minute": 36}
